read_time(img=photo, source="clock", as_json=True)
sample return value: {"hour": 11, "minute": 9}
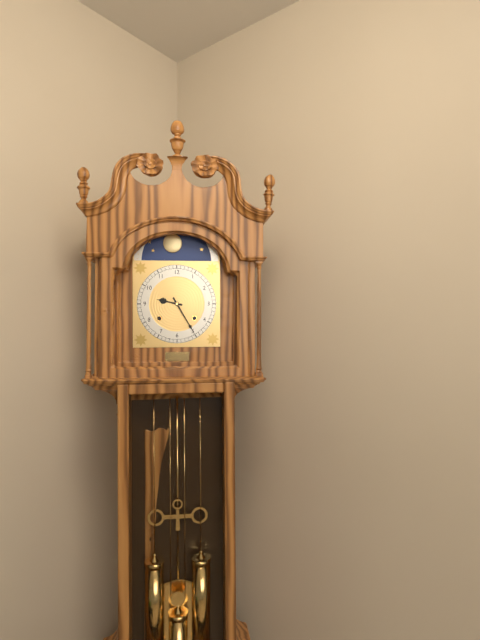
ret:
{"hour": 9, "minute": 25}
